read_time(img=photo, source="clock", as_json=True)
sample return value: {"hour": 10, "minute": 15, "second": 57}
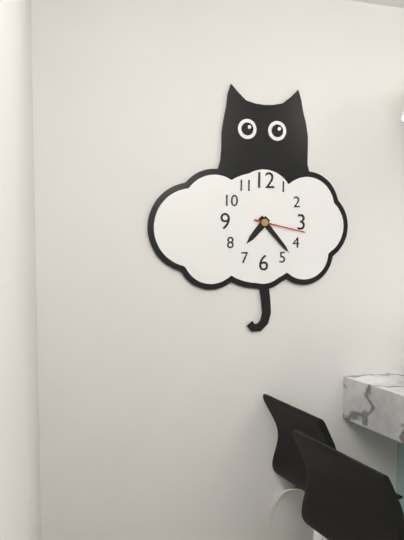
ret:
{"hour": 7, "minute": 23, "second": 17}
